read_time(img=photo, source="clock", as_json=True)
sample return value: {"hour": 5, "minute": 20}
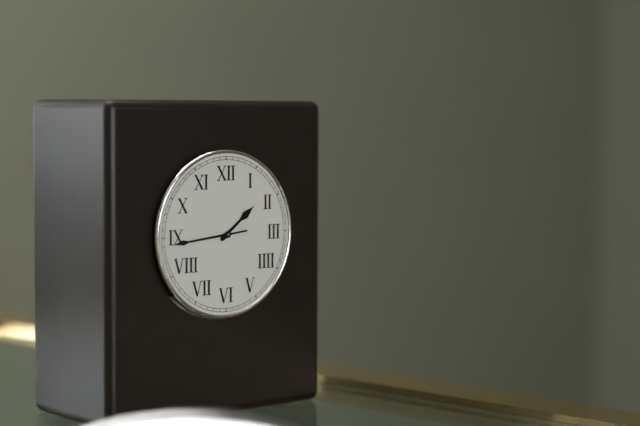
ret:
{"hour": 1, "minute": 44}
